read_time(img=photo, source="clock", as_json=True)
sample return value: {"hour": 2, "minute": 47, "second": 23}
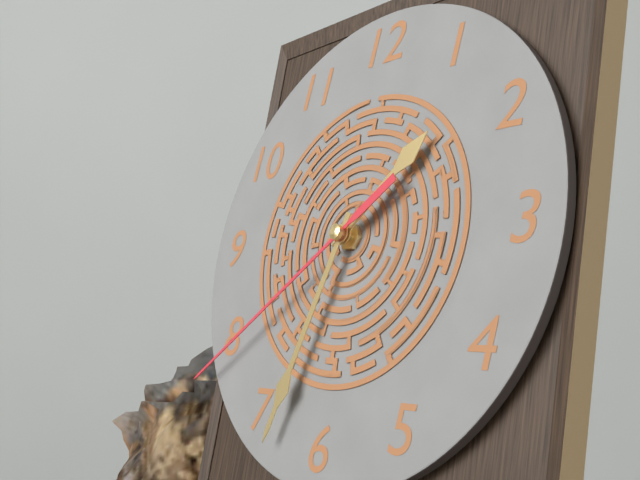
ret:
{"hour": 1, "minute": 33, "second": 39}
